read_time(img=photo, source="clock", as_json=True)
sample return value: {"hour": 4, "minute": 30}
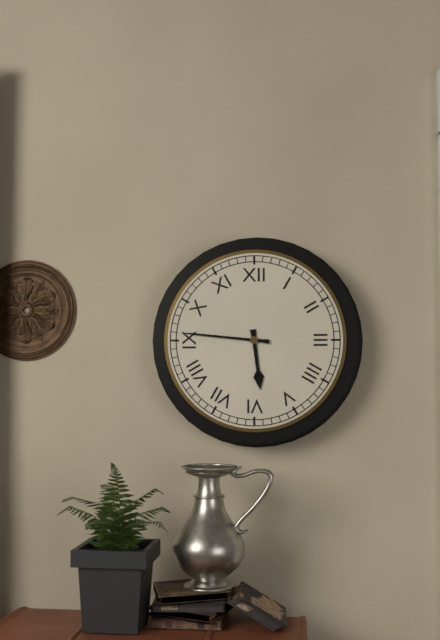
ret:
{"hour": 5, "minute": 46}
